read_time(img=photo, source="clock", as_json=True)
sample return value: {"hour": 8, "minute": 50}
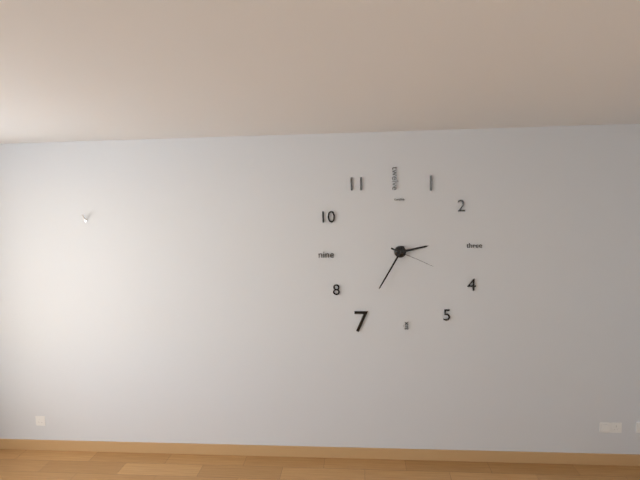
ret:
{"hour": 2, "minute": 35}
